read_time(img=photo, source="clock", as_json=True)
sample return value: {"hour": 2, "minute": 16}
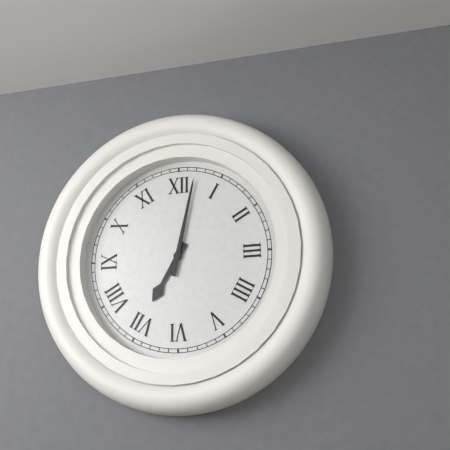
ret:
{"hour": 7, "minute": 2}
